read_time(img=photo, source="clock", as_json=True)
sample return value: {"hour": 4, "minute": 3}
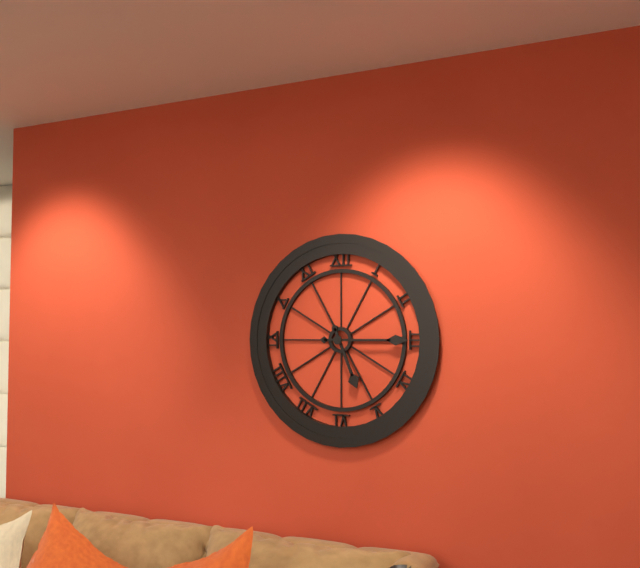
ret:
{"hour": 5, "minute": 15}
